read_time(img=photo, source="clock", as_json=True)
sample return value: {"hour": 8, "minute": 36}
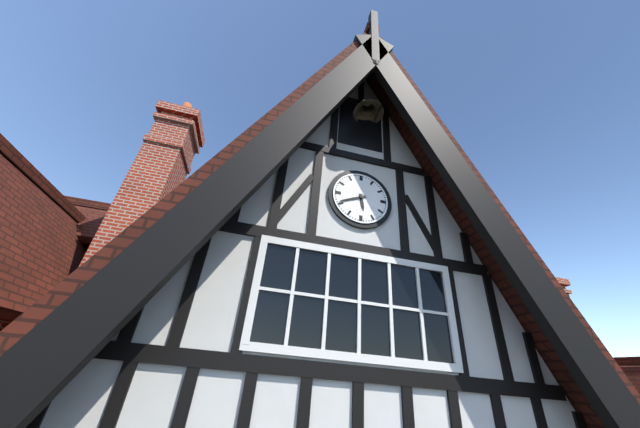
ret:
{"hour": 5, "minute": 41}
